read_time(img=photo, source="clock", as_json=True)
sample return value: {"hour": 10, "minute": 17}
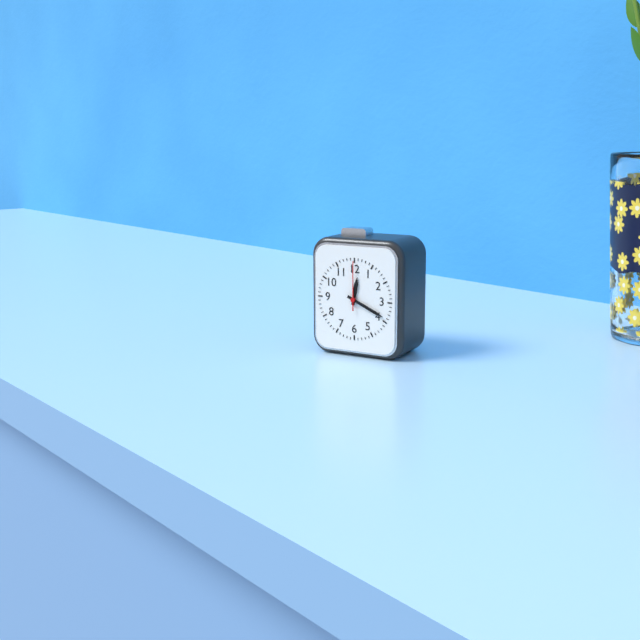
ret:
{"hour": 12, "minute": 19}
